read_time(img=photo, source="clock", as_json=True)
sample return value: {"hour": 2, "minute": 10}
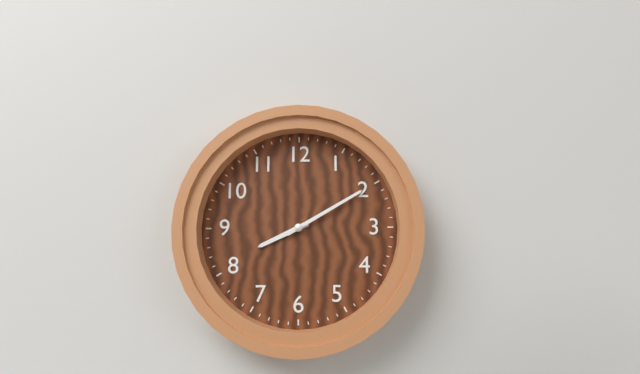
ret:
{"hour": 8, "minute": 10}
